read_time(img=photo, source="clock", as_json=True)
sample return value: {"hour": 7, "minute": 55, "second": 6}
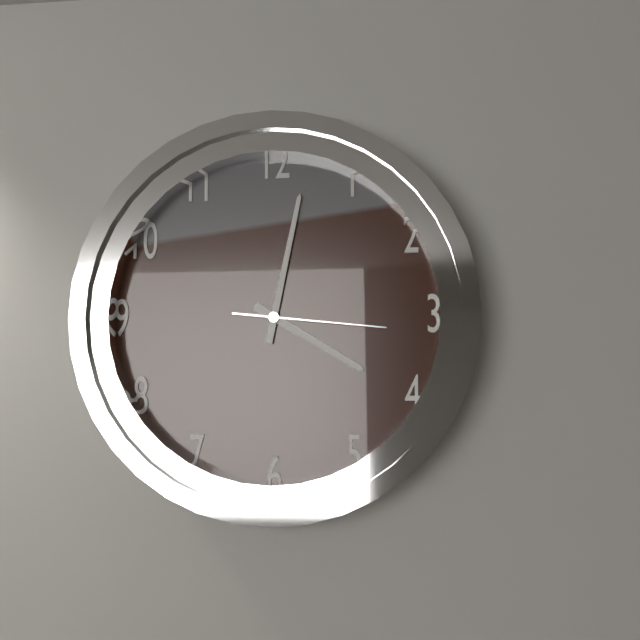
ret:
{"hour": 4, "minute": 2, "second": 16}
